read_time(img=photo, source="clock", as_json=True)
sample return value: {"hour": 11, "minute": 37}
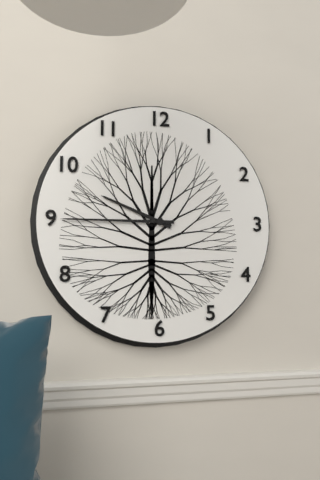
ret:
{"hour": 9, "minute": 45}
